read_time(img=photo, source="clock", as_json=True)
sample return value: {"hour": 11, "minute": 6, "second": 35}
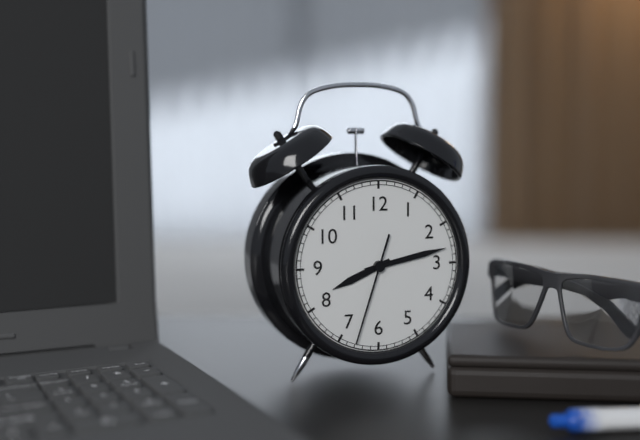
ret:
{"hour": 8, "minute": 13, "second": 33}
